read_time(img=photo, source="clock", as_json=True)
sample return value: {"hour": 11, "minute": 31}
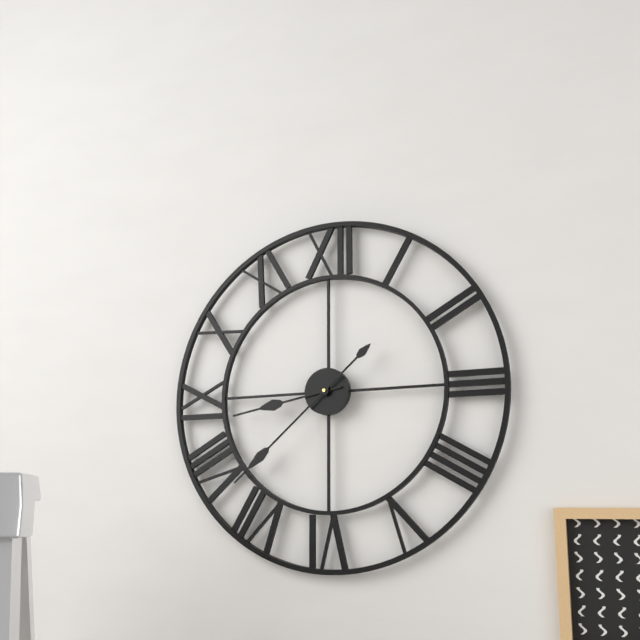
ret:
{"hour": 8, "minute": 38}
